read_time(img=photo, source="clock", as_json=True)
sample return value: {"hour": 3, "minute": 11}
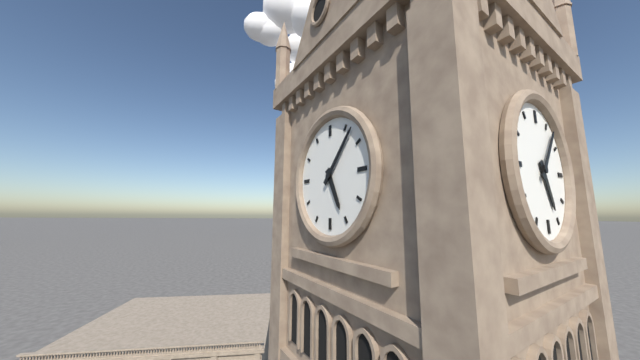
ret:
{"hour": 5, "minute": 7}
